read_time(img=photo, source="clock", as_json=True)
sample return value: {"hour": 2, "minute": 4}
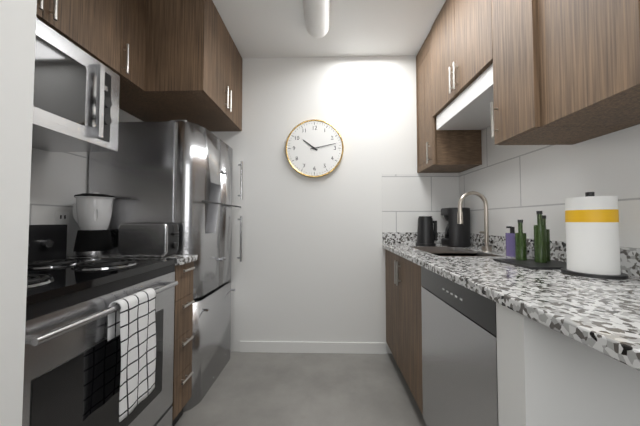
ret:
{"hour": 10, "minute": 13}
